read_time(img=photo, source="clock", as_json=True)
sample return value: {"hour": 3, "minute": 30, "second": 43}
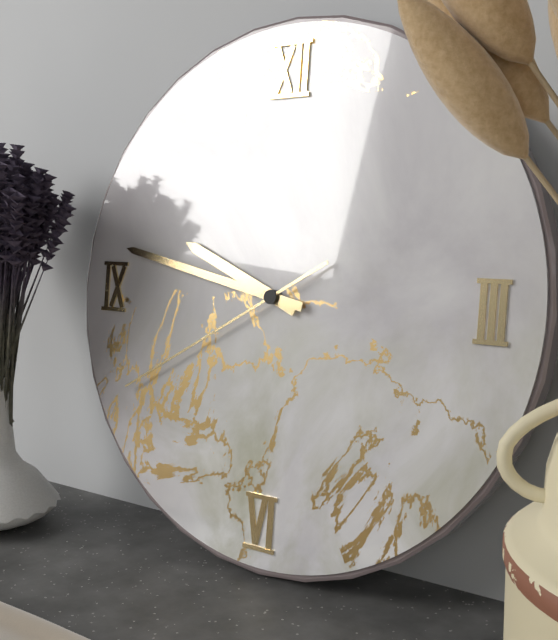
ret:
{"hour": 9, "minute": 47, "second": 40}
